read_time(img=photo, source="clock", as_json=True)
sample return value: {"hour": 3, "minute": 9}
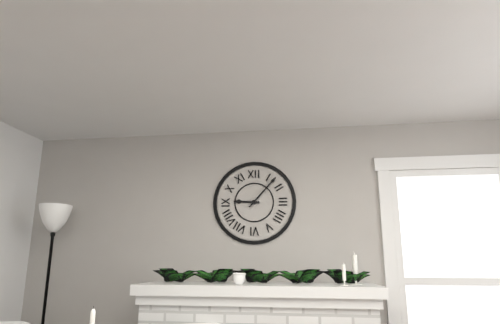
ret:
{"hour": 9, "minute": 7}
